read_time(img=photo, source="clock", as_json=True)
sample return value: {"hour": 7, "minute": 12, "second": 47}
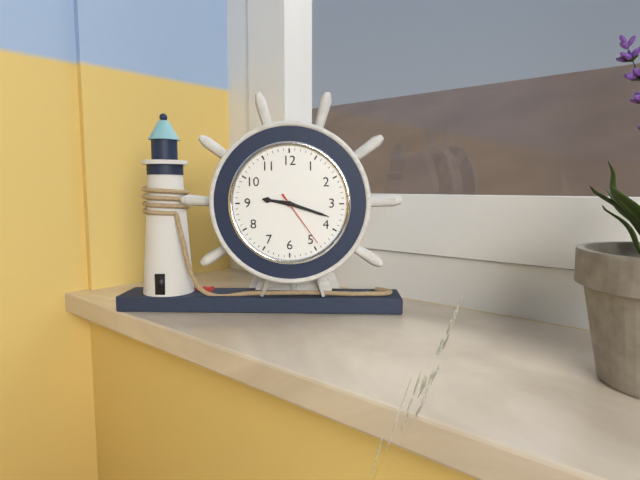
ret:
{"hour": 9, "minute": 18, "second": 24}
